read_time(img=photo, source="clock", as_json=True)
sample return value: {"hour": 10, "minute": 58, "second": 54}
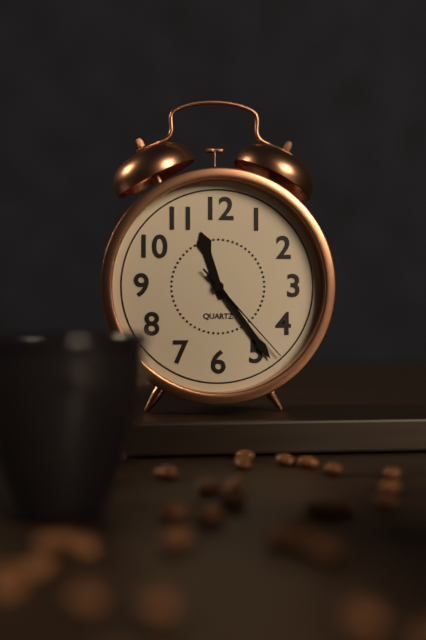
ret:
{"hour": 11, "minute": 24, "second": 23}
